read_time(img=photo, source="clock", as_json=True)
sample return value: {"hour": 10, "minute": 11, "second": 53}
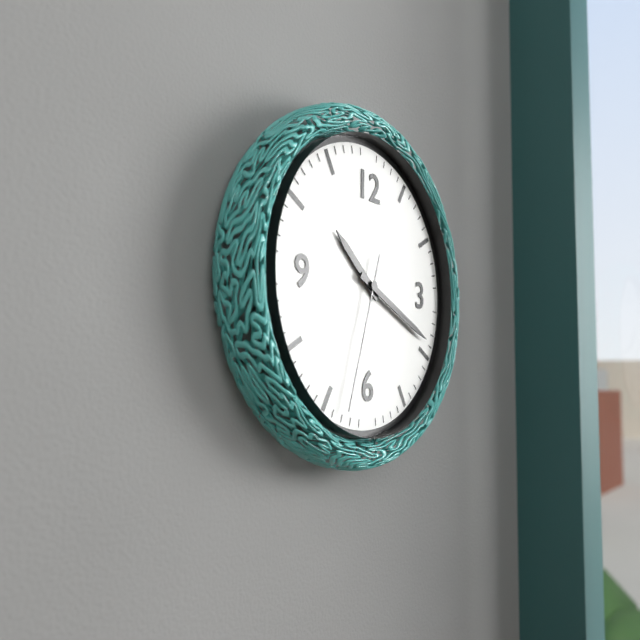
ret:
{"hour": 10, "minute": 19, "second": 33}
